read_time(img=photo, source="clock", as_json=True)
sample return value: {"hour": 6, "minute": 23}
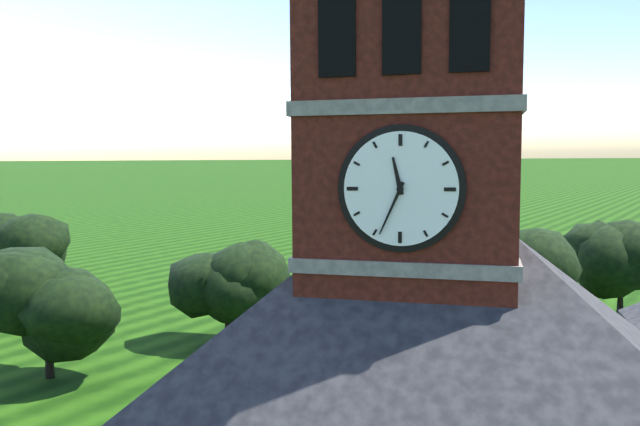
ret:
{"hour": 11, "minute": 34}
